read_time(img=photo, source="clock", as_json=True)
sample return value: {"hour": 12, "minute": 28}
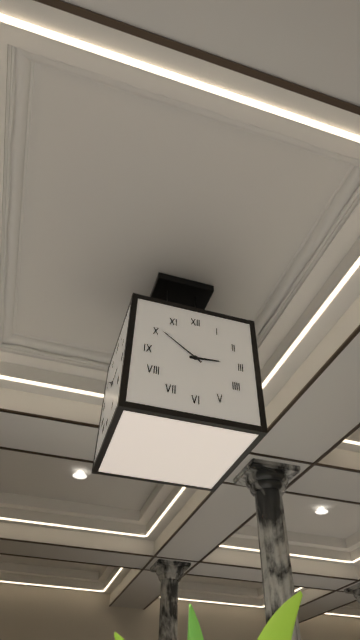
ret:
{"hour": 2, "minute": 51}
